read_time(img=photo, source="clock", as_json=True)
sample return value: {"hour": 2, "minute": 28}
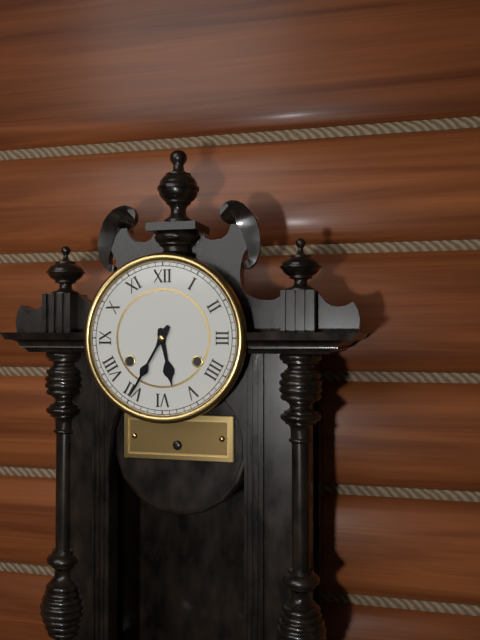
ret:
{"hour": 5, "minute": 35}
